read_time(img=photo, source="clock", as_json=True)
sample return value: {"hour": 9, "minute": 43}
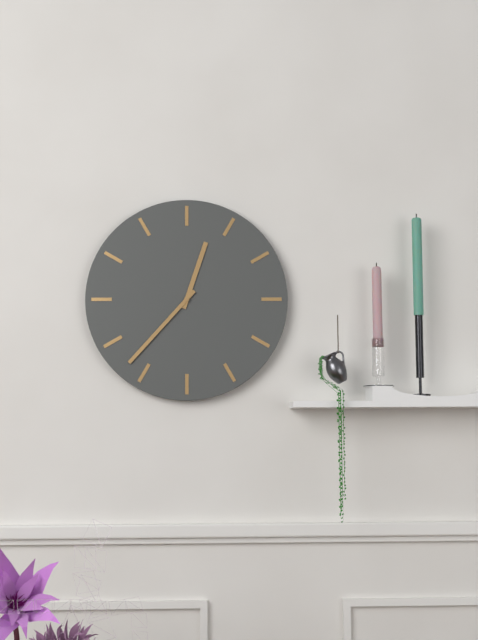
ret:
{"hour": 12, "minute": 37}
